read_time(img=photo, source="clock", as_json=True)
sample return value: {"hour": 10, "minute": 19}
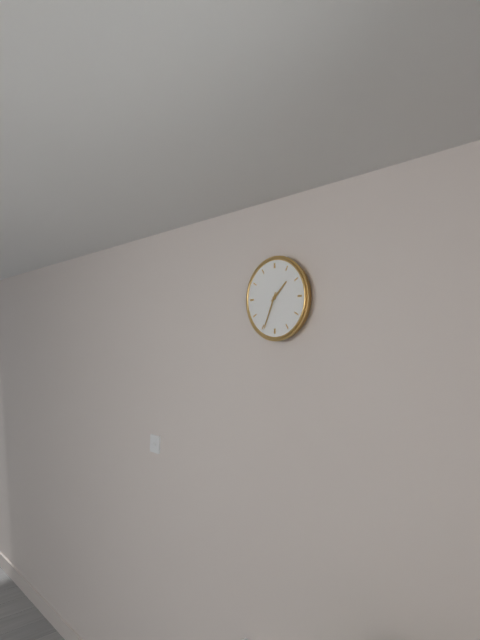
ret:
{"hour": 1, "minute": 34}
